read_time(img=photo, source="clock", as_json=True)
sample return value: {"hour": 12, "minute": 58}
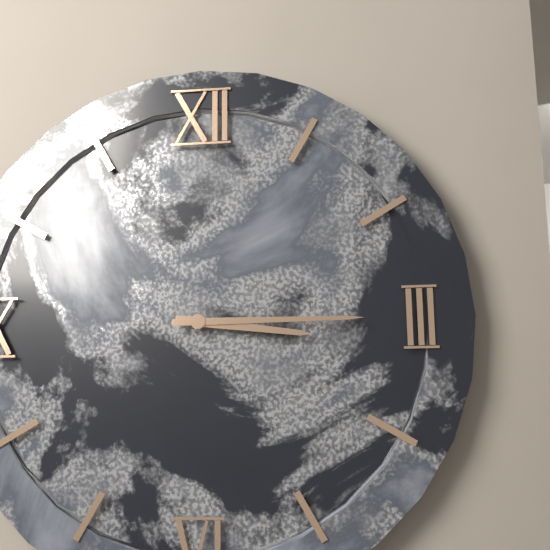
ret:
{"hour": 3, "minute": 15}
